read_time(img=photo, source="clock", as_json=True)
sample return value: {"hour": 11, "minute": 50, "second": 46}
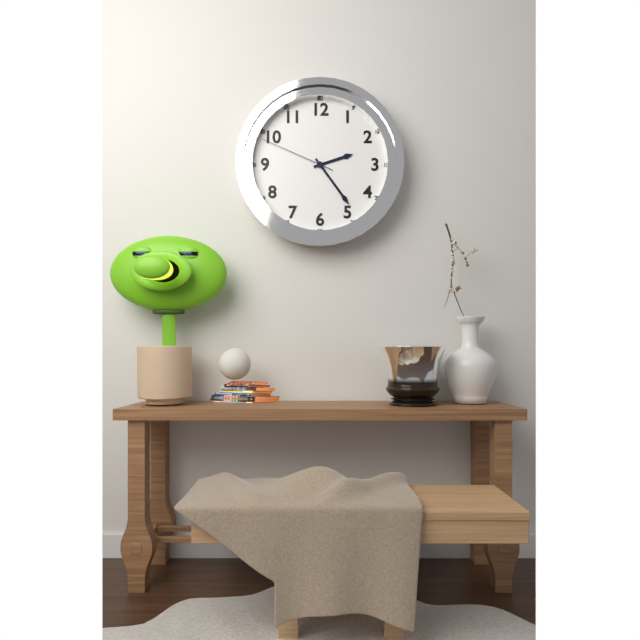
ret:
{"hour": 2, "minute": 24, "second": 49}
